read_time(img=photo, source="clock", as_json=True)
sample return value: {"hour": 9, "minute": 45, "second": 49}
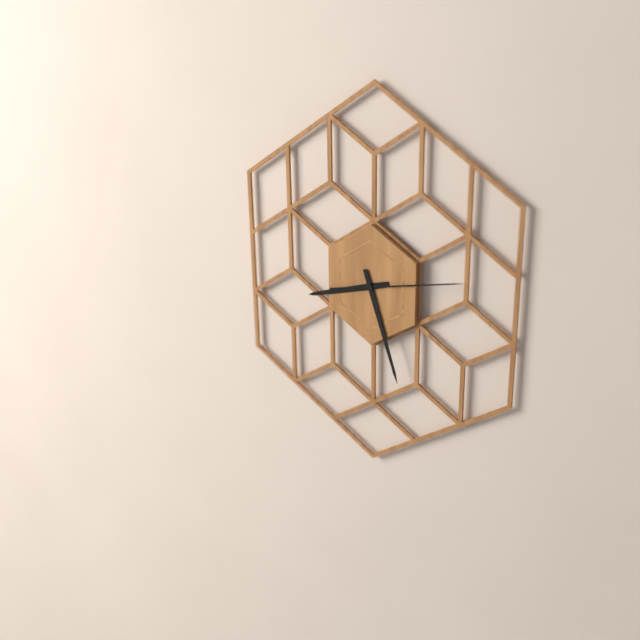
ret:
{"hour": 8, "minute": 27, "second": 13}
